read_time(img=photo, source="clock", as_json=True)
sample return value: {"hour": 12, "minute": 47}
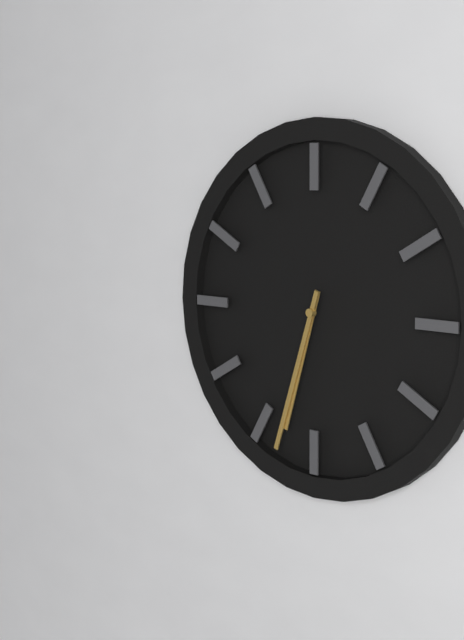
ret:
{"hour": 6, "minute": 33}
